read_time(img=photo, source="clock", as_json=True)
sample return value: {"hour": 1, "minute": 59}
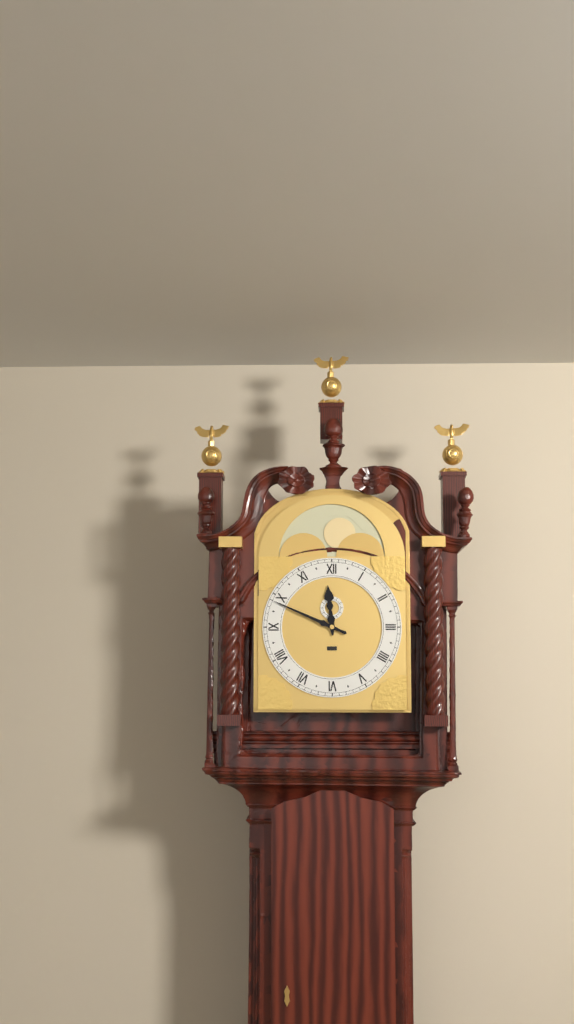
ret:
{"hour": 11, "minute": 49}
